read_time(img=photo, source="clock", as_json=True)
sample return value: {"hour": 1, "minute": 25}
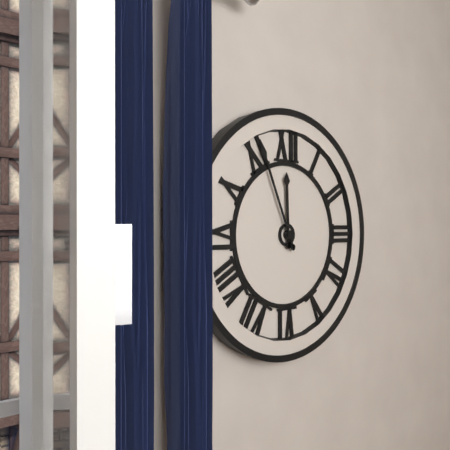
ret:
{"hour": 11, "minute": 56}
